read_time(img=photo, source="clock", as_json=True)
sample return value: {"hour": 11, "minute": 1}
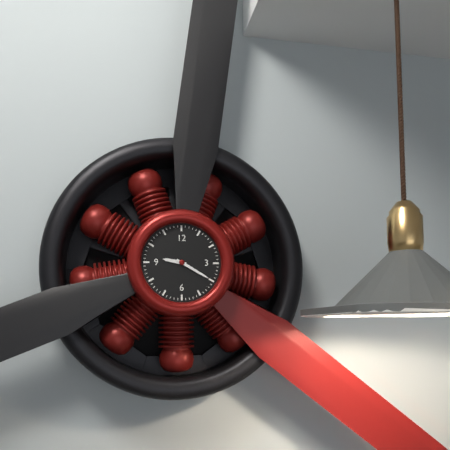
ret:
{"hour": 9, "minute": 20}
